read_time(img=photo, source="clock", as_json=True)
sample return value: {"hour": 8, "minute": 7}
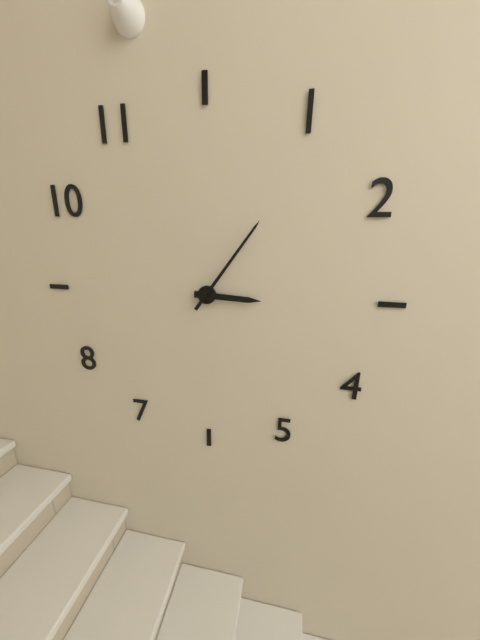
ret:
{"hour": 3, "minute": 6}
